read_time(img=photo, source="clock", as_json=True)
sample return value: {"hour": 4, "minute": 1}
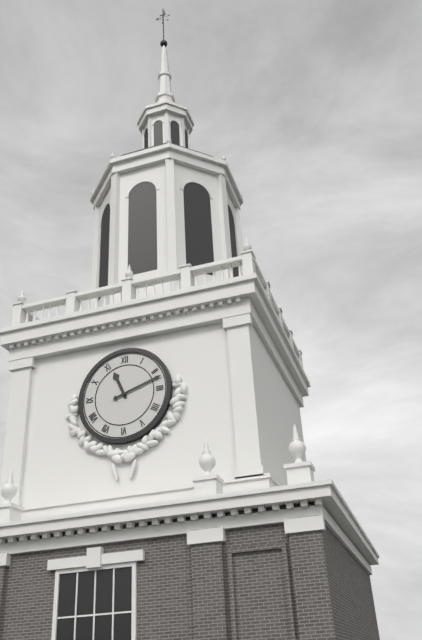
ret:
{"hour": 11, "minute": 12}
